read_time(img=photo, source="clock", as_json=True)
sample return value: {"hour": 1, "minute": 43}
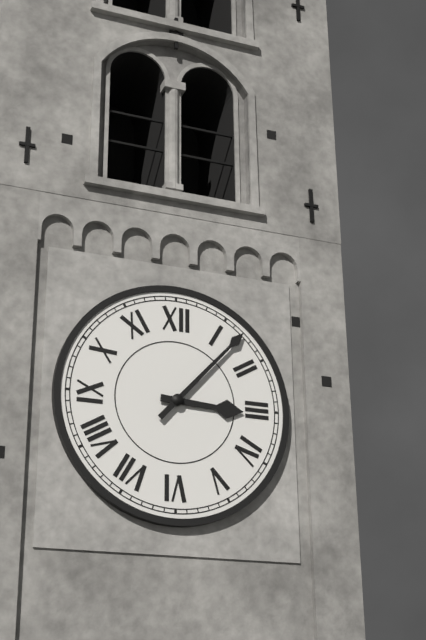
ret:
{"hour": 3, "minute": 7}
